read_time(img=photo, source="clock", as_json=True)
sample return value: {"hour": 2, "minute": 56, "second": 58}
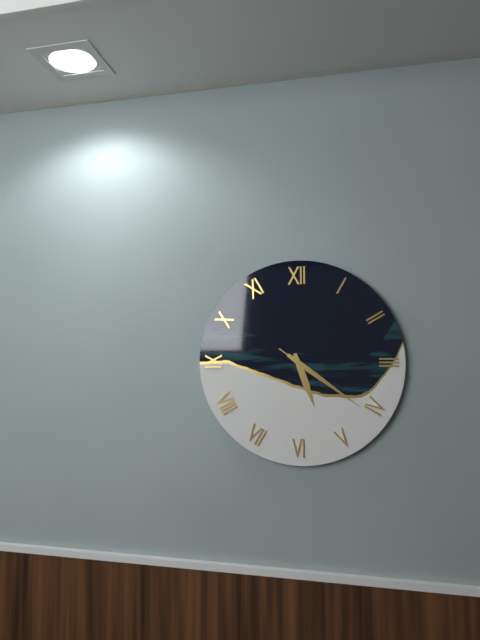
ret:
{"hour": 5, "minute": 21, "second": 21}
